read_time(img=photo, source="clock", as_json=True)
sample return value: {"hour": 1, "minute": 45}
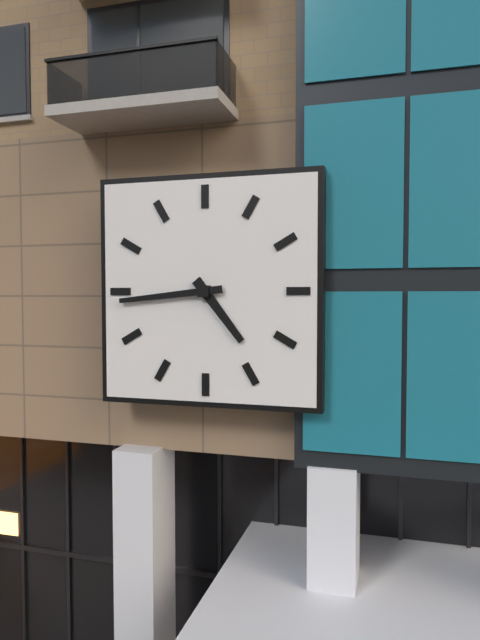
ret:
{"hour": 4, "minute": 44}
